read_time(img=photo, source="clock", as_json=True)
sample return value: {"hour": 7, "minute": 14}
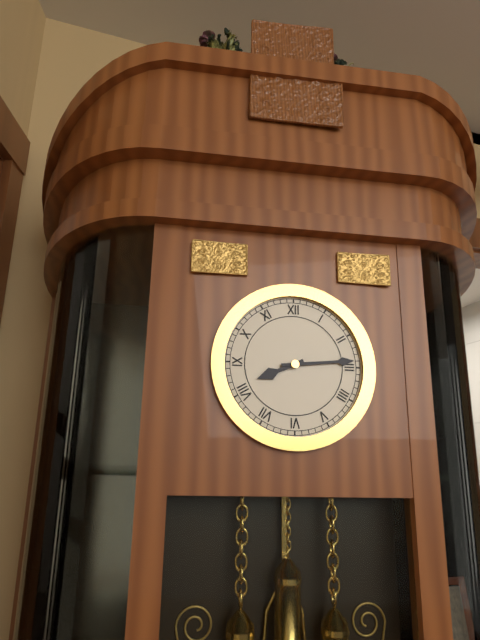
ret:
{"hour": 8, "minute": 14}
